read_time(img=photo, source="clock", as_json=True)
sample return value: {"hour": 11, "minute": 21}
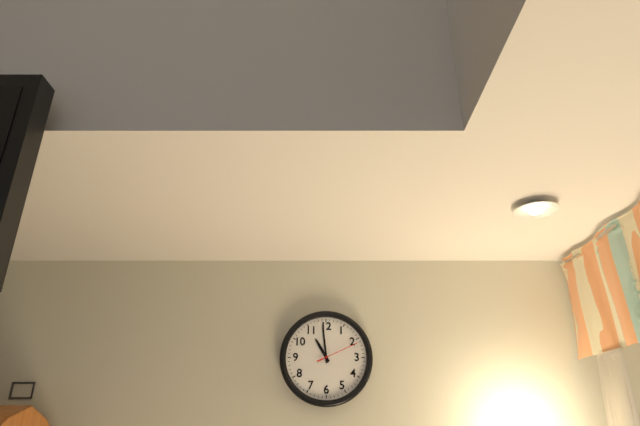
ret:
{"hour": 10, "minute": 59}
